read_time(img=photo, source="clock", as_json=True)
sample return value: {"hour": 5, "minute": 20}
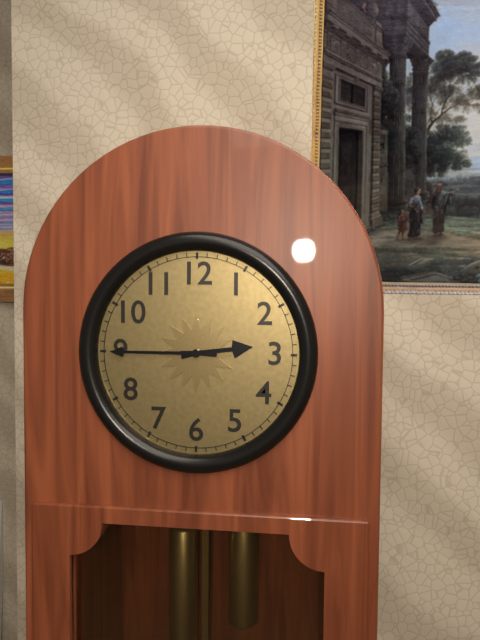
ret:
{"hour": 2, "minute": 45}
